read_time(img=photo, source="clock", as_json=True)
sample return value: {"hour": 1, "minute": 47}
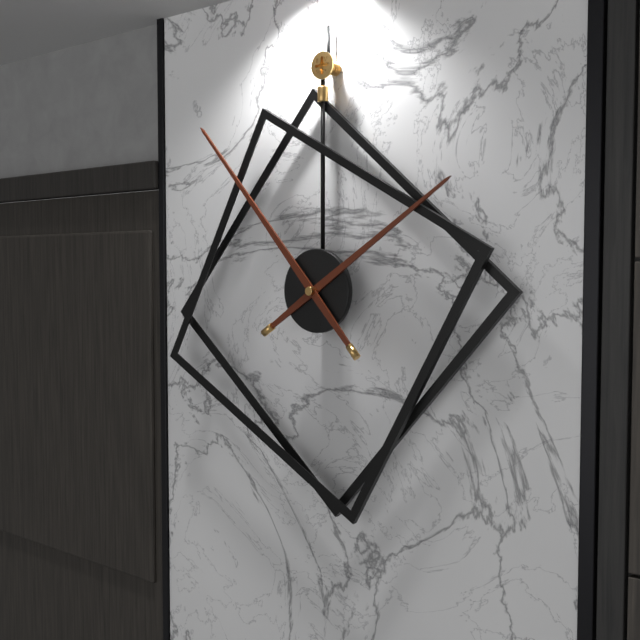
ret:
{"hour": 1, "minute": 53}
